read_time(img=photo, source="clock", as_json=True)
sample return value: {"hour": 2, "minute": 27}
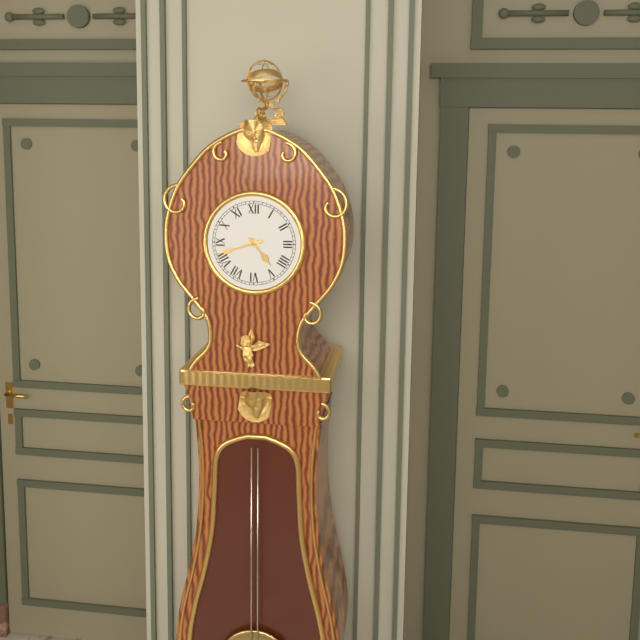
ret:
{"hour": 4, "minute": 42}
